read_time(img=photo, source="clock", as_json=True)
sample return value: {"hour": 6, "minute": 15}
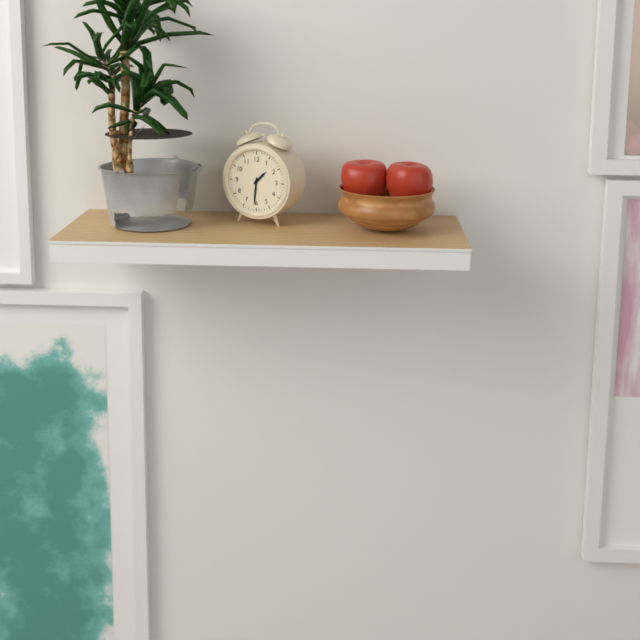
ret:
{"hour": 1, "minute": 31}
